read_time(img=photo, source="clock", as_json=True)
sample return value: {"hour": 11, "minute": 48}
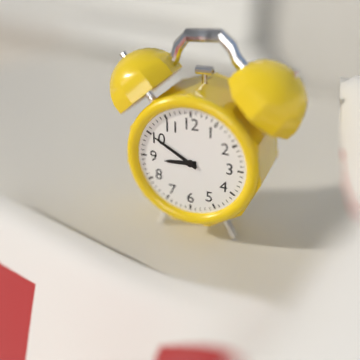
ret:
{"hour": 8, "minute": 50}
